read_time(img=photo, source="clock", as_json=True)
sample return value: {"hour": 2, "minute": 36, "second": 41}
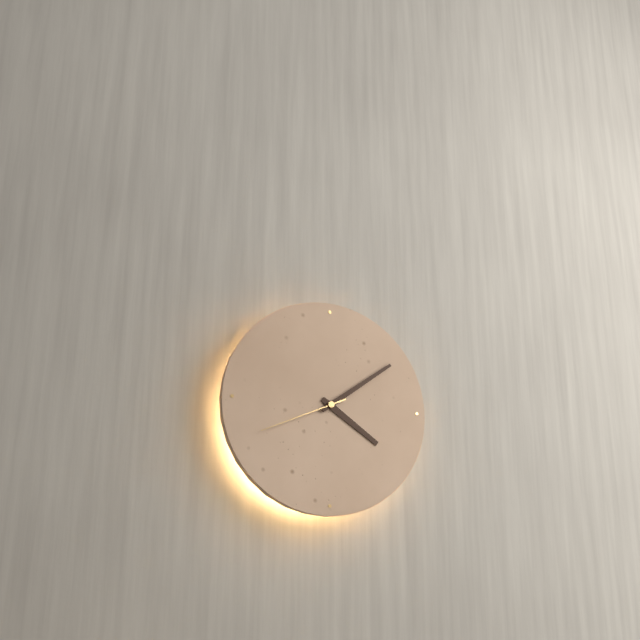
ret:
{"hour": 4, "minute": 9, "second": 41}
